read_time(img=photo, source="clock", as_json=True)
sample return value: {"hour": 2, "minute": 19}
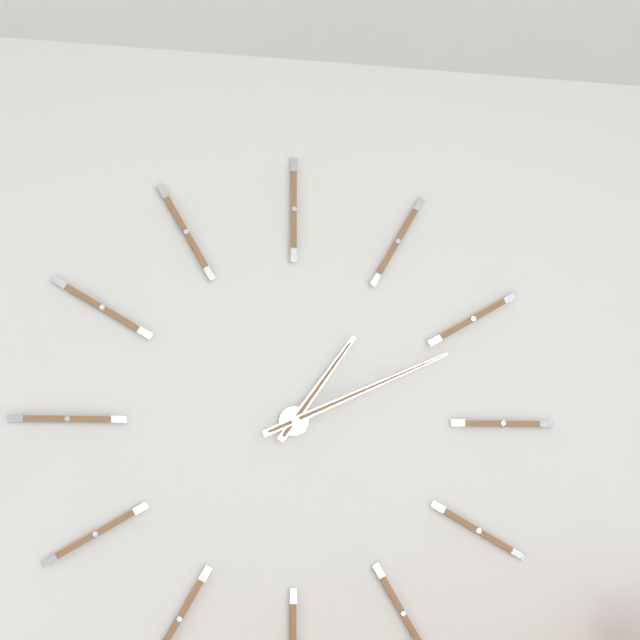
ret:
{"hour": 1, "minute": 11}
